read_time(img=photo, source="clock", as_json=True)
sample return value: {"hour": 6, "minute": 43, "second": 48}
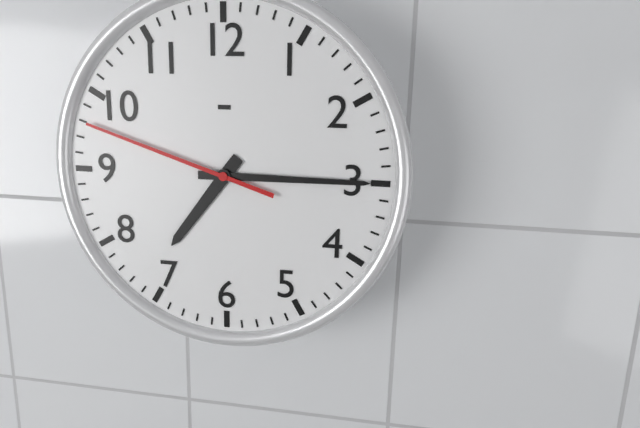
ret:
{"hour": 7, "minute": 15, "second": 48}
